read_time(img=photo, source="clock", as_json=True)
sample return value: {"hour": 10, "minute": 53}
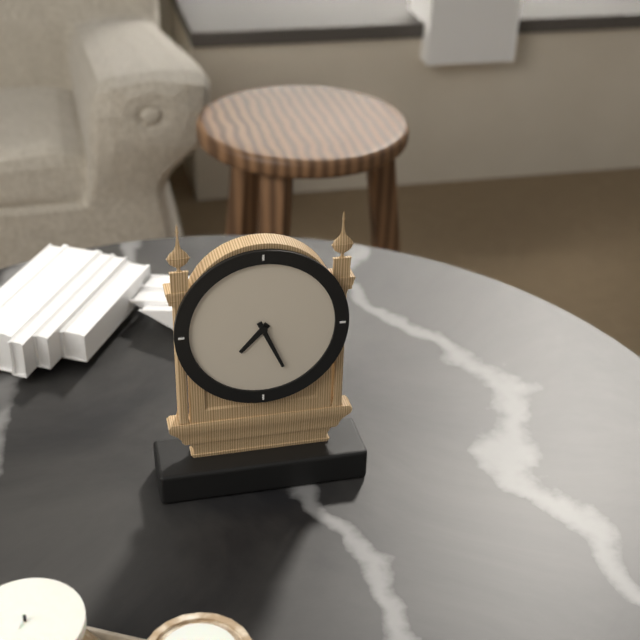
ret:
{"hour": 7, "minute": 26}
